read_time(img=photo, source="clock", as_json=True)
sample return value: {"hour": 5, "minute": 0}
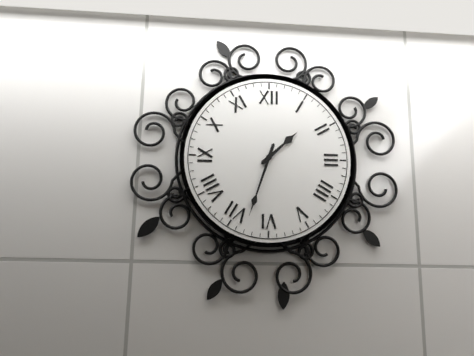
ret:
{"hour": 1, "minute": 33}
